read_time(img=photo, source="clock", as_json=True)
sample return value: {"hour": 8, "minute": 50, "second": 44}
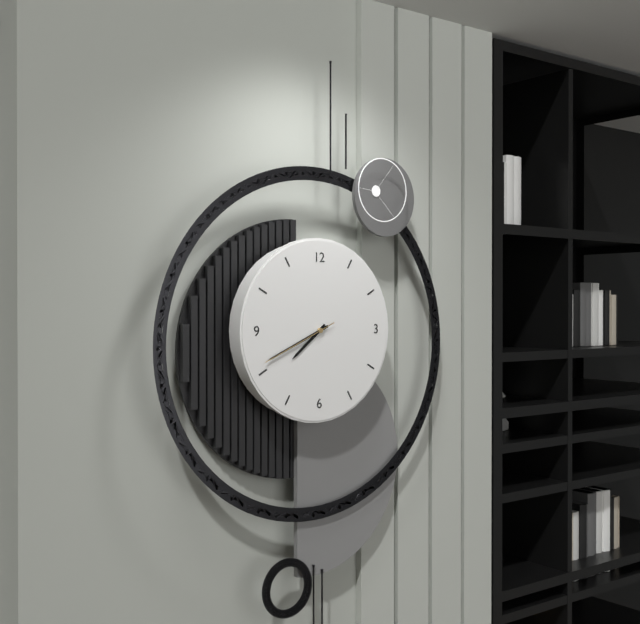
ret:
{"hour": 7, "minute": 41, "second": 41}
